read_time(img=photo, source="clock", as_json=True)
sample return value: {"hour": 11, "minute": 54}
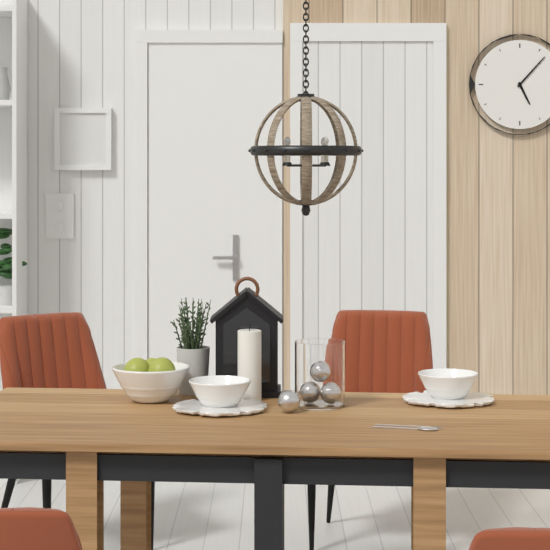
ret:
{"hour": 5, "minute": 7}
